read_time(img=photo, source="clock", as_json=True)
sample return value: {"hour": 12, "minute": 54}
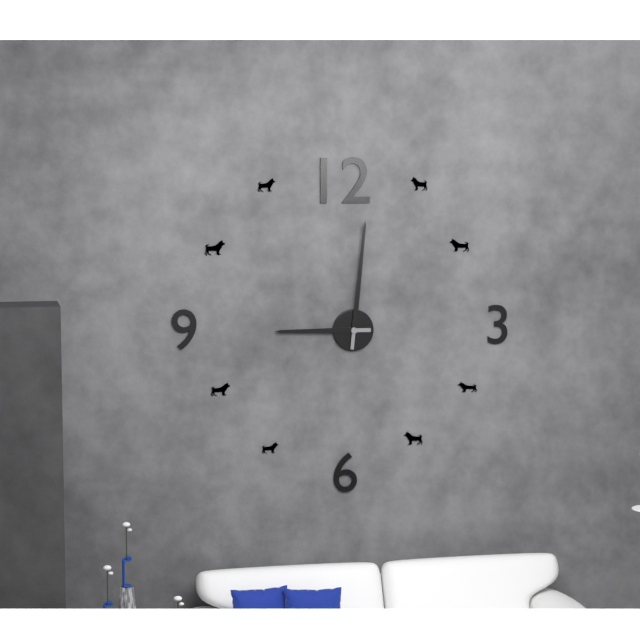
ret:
{"hour": 9, "minute": 1}
